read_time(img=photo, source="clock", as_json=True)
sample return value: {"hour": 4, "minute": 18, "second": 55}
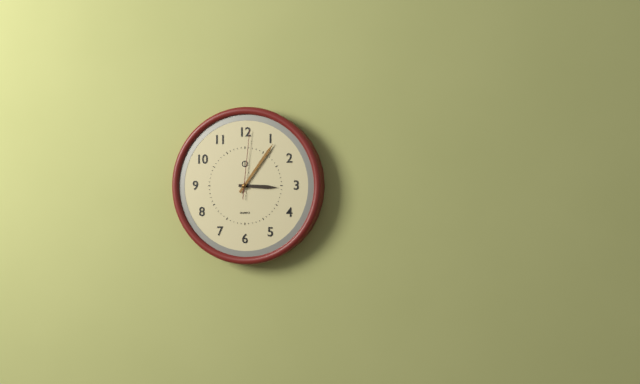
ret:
{"hour": 3, "minute": 6, "second": 1}
